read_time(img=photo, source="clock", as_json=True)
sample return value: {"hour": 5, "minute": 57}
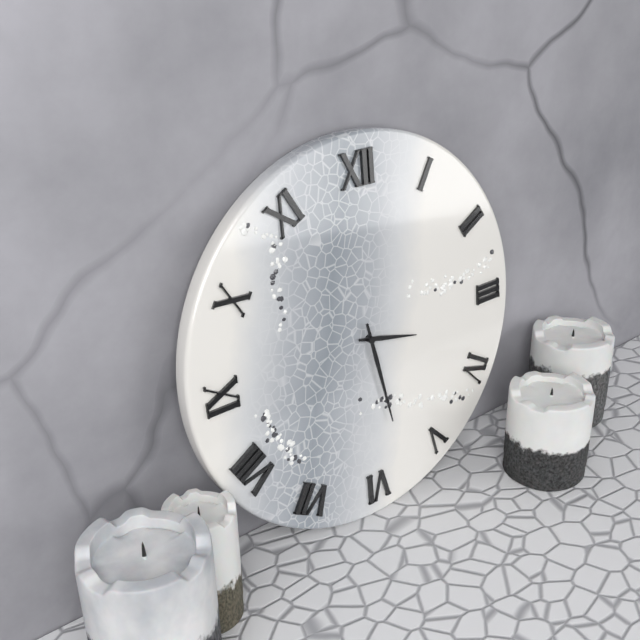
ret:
{"hour": 3, "minute": 28}
